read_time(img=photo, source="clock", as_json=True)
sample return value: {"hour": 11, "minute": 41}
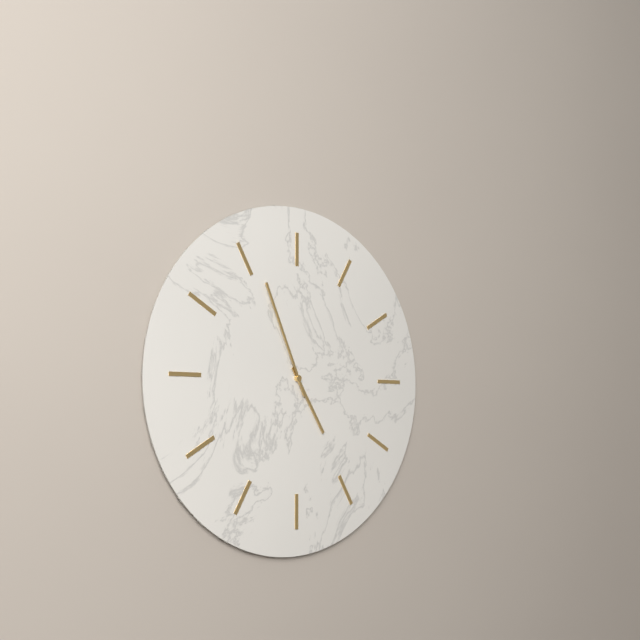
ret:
{"hour": 4, "minute": 56}
